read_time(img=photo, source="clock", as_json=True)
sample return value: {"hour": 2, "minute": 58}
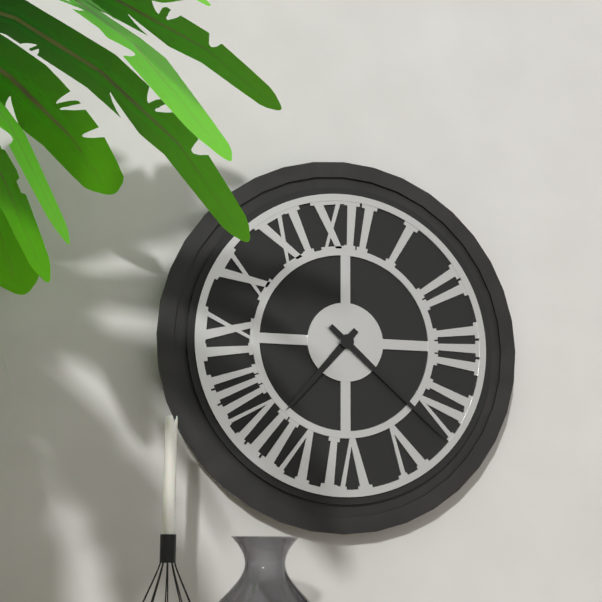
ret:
{"hour": 7, "minute": 22}
